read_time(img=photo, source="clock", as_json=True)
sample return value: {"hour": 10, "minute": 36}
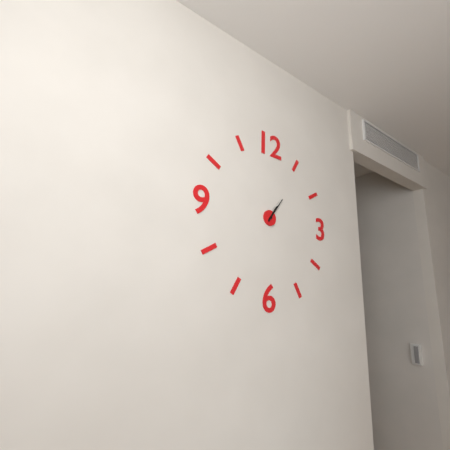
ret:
{"hour": 1, "minute": 6}
